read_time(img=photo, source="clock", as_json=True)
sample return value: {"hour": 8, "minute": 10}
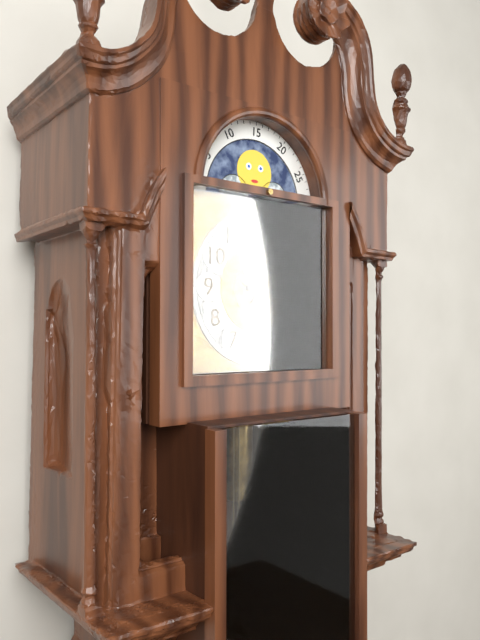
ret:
{"hour": 3, "minute": 6}
